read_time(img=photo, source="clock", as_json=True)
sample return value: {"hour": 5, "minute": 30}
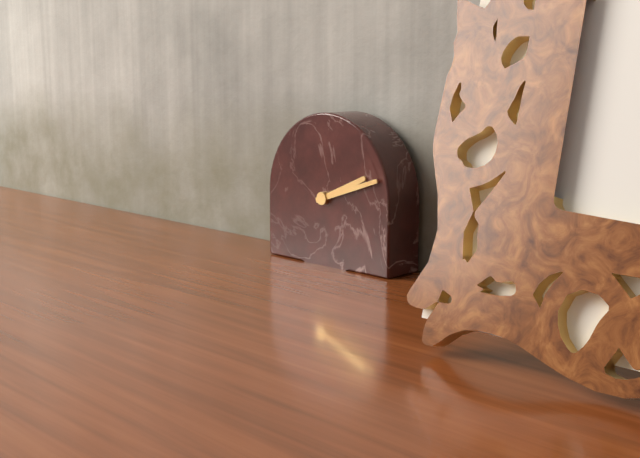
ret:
{"hour": 2, "minute": 12}
